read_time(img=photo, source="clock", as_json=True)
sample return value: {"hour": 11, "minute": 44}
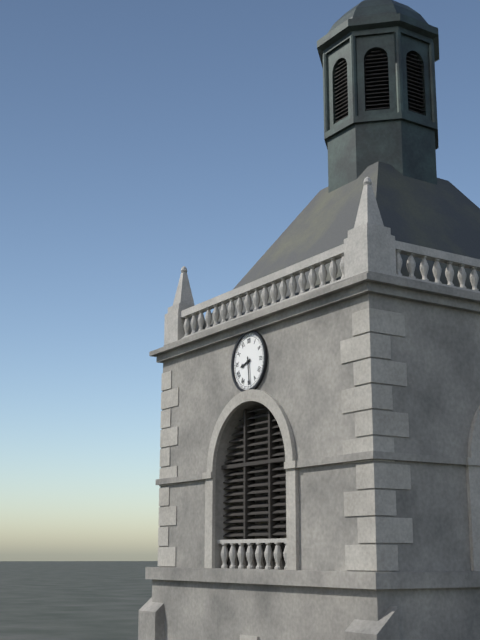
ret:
{"hour": 8, "minute": 29}
